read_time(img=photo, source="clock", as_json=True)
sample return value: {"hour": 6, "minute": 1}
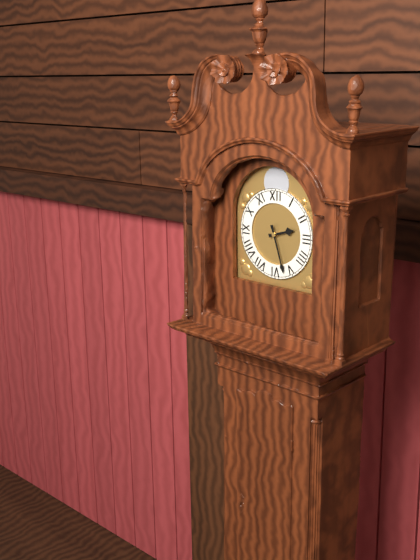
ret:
{"hour": 2, "minute": 27}
